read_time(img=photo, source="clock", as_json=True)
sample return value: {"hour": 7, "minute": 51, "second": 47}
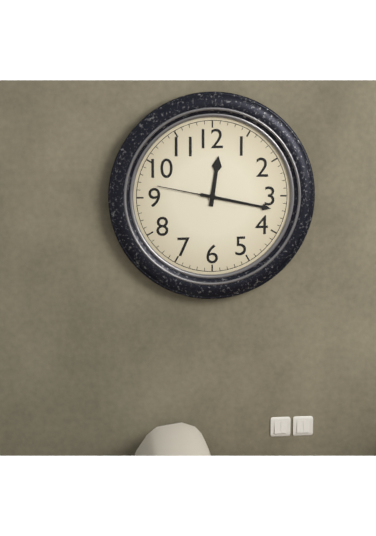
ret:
{"hour": 12, "minute": 17, "second": 47}
